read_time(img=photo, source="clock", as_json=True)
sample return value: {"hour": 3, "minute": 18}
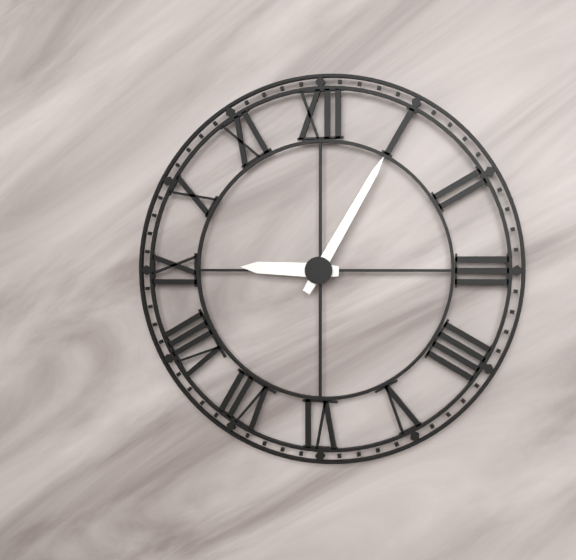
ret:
{"hour": 9, "minute": 5}
